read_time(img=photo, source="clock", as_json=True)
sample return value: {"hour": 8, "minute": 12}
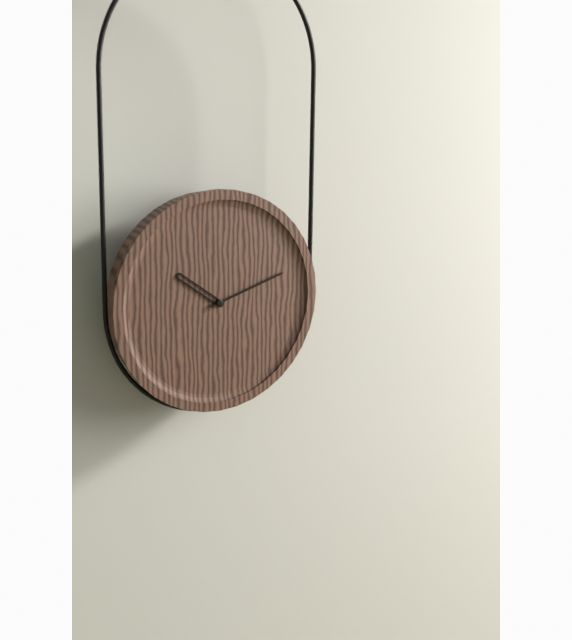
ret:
{"hour": 10, "minute": 12}
